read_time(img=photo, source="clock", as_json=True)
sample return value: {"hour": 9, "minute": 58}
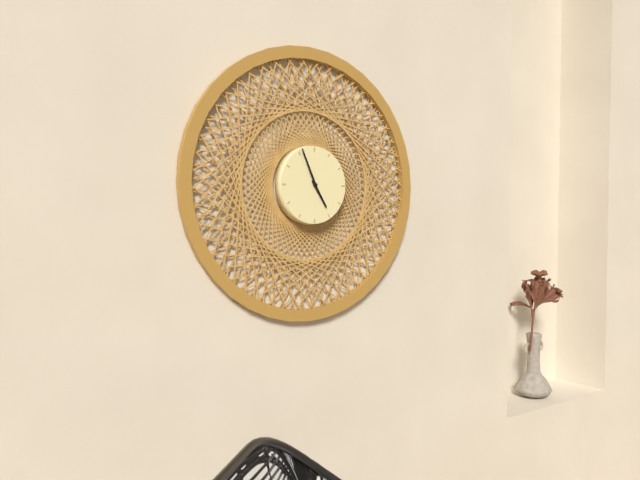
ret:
{"hour": 4, "minute": 56}
